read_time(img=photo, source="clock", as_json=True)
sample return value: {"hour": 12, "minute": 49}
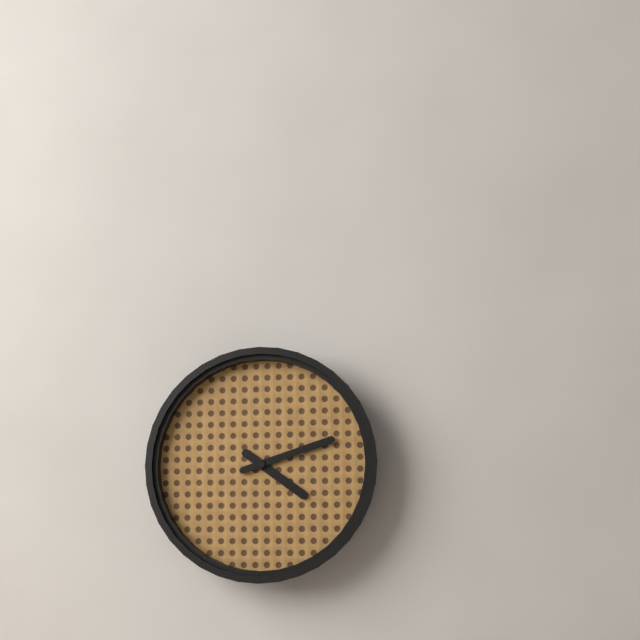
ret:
{"hour": 4, "minute": 12}
